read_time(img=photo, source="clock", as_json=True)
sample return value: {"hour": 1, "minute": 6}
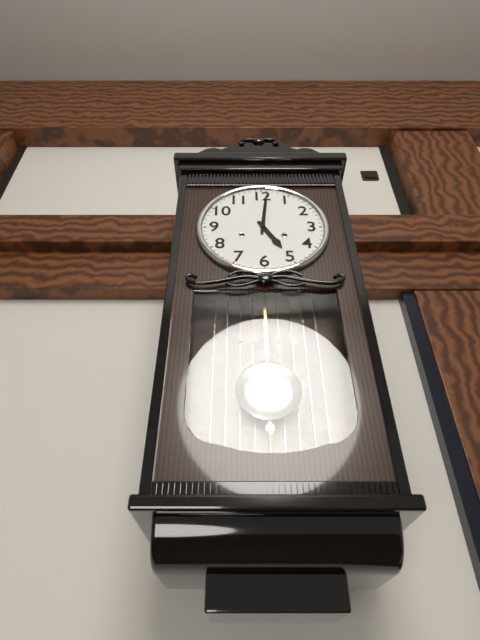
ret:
{"hour": 5, "minute": 1}
